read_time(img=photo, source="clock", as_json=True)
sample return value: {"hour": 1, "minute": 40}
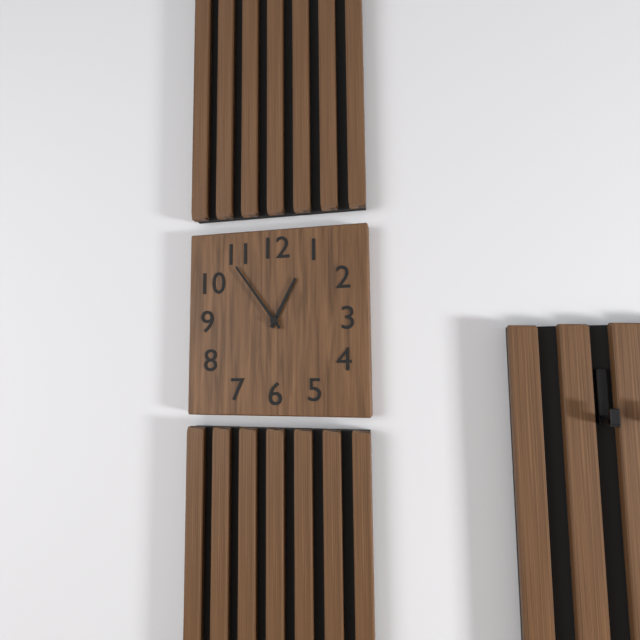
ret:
{"hour": 12, "minute": 54}
